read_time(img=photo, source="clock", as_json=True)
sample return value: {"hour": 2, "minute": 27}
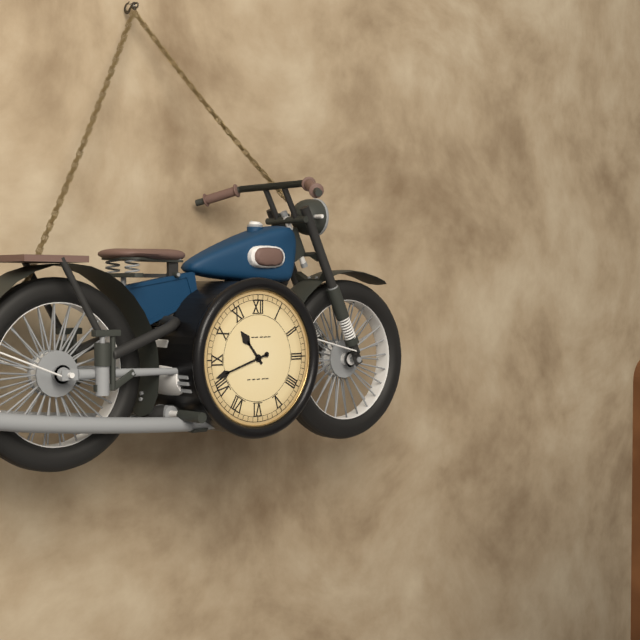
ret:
{"hour": 10, "minute": 42}
